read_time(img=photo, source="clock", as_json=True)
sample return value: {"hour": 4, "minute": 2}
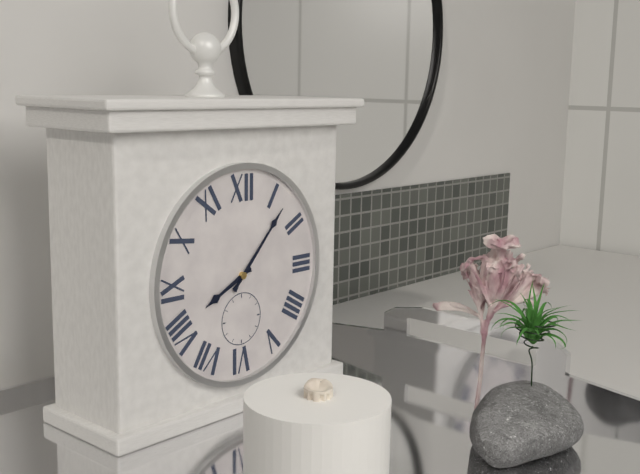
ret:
{"hour": 8, "minute": 7}
